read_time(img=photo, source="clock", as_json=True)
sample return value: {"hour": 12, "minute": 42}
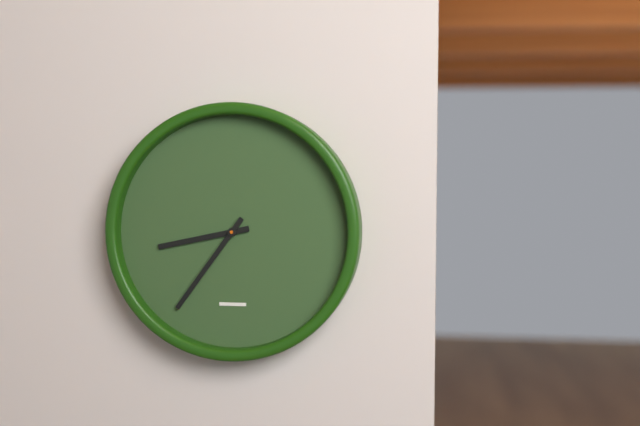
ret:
{"hour": 8, "minute": 36}
